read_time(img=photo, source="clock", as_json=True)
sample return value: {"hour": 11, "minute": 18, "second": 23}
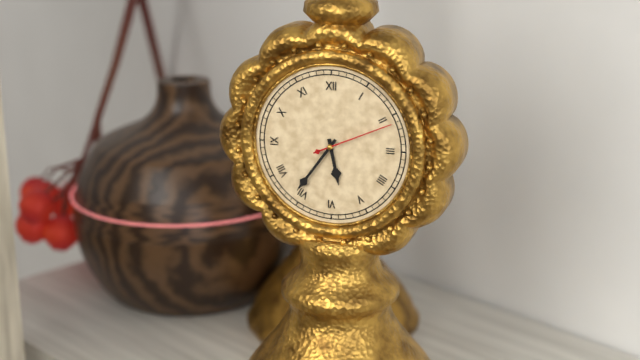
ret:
{"hour": 5, "minute": 36, "second": 11}
